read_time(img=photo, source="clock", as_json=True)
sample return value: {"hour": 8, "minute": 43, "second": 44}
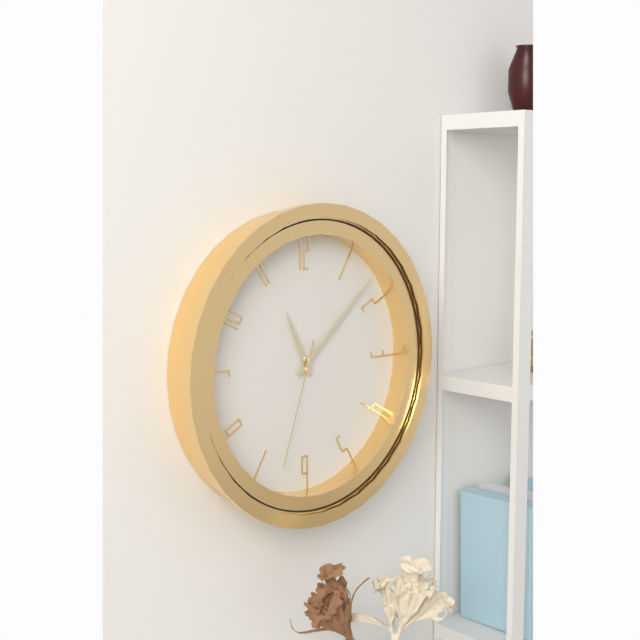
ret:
{"hour": 11, "minute": 8, "second": 33}
